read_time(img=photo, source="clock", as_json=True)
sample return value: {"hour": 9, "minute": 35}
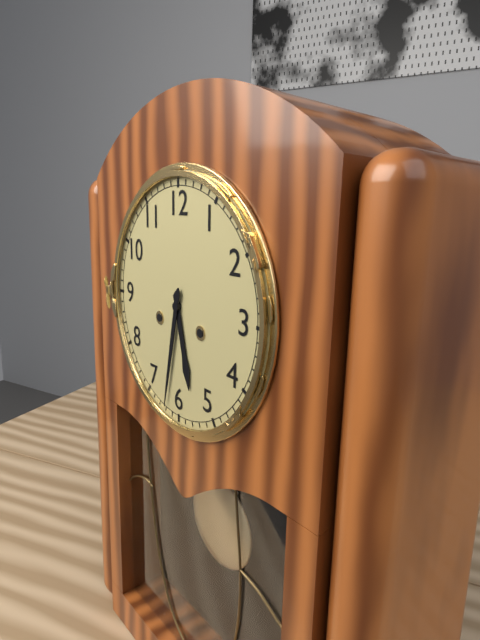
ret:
{"hour": 5, "minute": 32}
